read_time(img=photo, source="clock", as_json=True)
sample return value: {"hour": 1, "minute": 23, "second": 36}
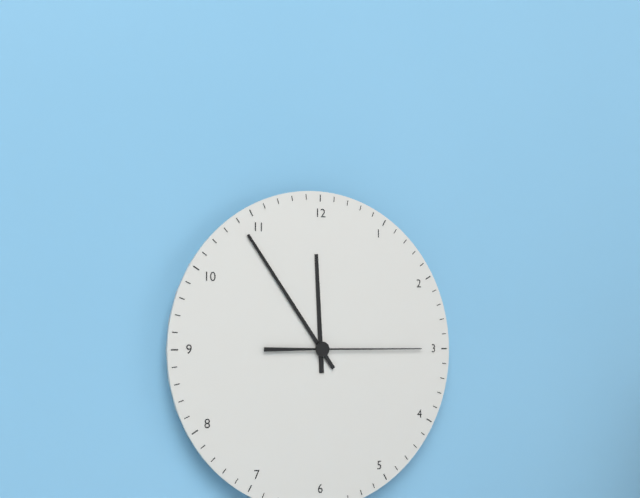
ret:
{"hour": 11, "minute": 54, "second": 15}
